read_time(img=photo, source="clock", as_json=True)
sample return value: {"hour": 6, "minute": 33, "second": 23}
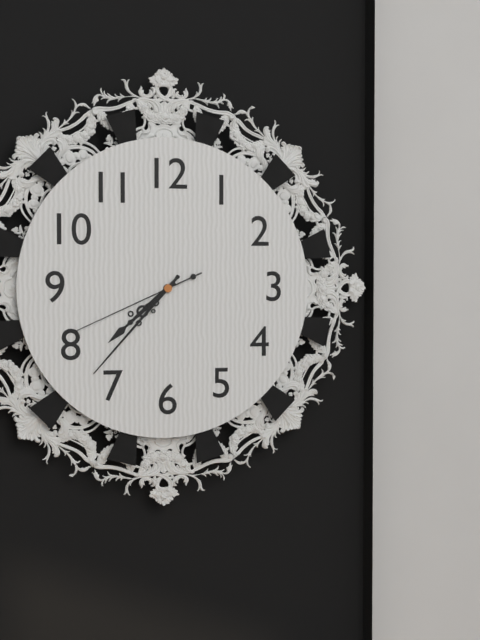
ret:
{"hour": 7, "minute": 37, "second": 41}
